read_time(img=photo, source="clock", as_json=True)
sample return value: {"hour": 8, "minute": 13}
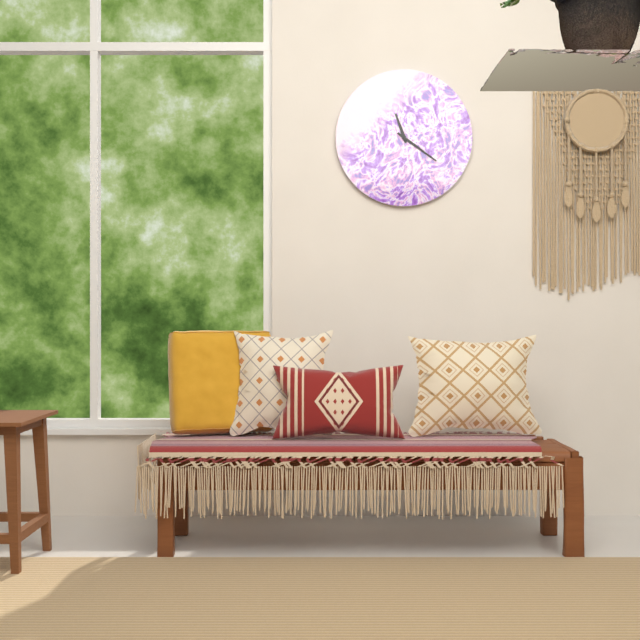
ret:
{"hour": 11, "minute": 21}
